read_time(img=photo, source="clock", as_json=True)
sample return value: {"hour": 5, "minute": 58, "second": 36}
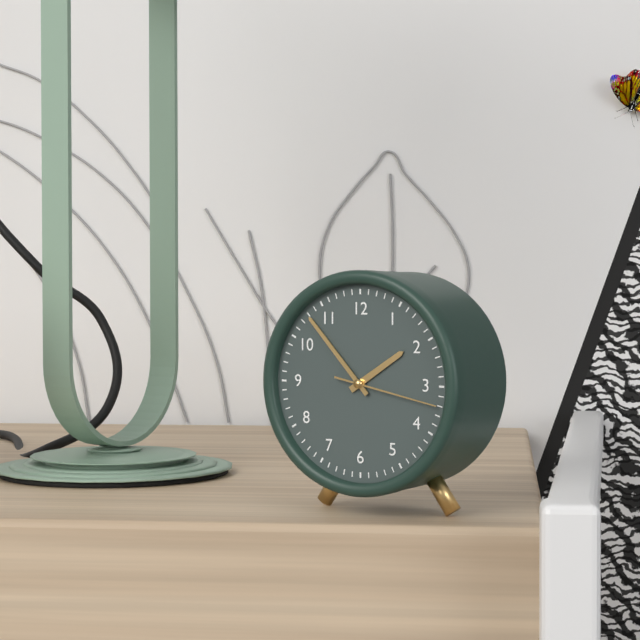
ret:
{"hour": 1, "minute": 53, "second": 17}
